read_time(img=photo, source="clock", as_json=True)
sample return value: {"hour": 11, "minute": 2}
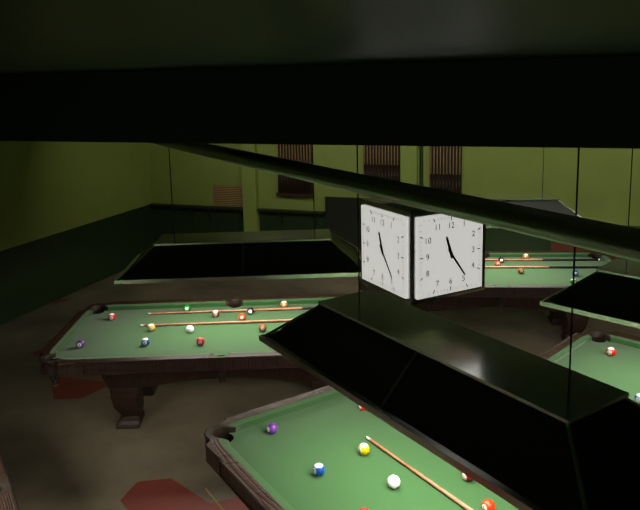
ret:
{"hour": 11, "minute": 24}
